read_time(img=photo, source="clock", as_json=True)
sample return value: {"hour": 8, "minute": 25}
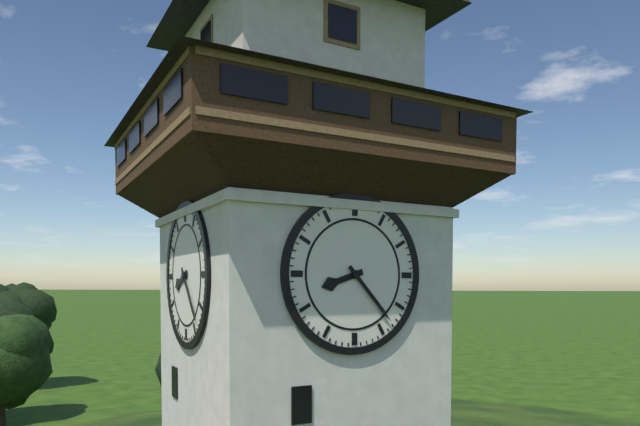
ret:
{"hour": 8, "minute": 23}
